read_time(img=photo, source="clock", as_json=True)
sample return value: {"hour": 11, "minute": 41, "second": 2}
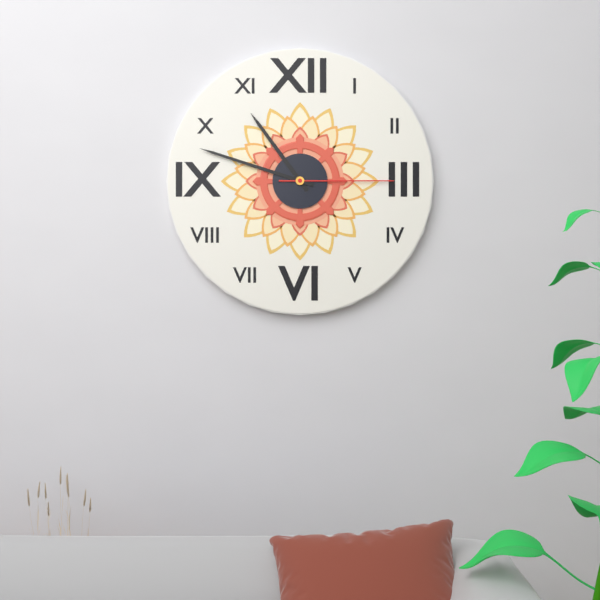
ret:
{"hour": 10, "minute": 48, "second": 15}
